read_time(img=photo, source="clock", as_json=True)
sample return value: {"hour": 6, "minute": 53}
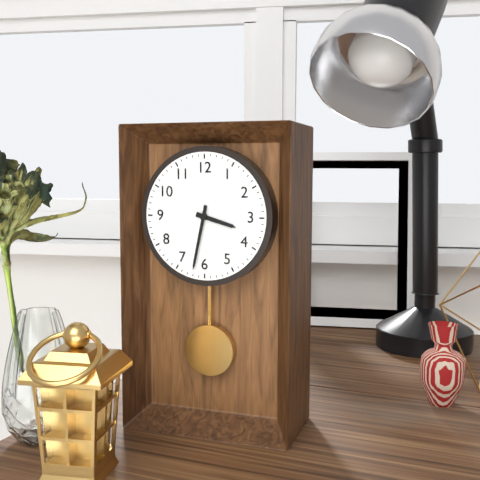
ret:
{"hour": 3, "minute": 32}
